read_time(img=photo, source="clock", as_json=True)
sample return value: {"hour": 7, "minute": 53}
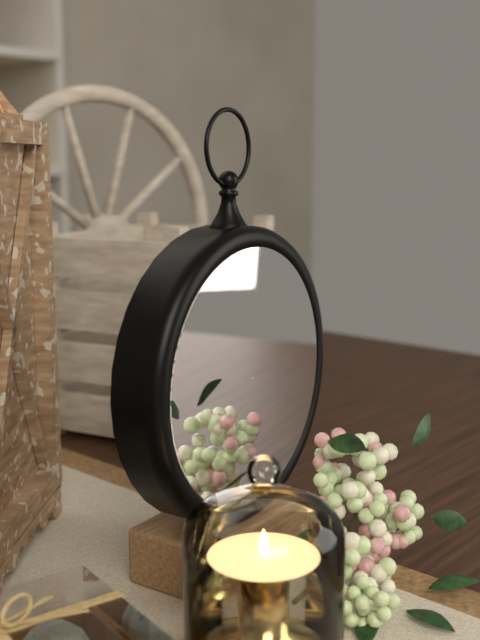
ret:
{"hour": 6, "minute": 41}
